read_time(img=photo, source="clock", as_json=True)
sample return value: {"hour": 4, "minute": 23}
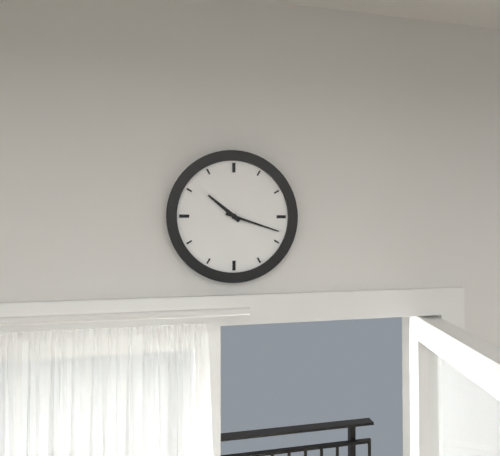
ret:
{"hour": 10, "minute": 18}
